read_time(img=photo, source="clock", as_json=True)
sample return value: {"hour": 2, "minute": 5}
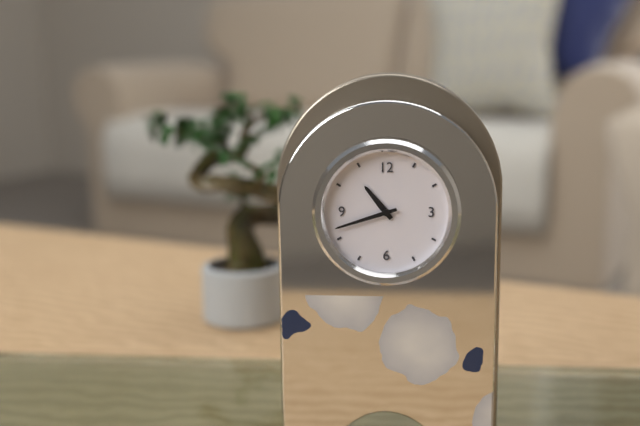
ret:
{"hour": 10, "minute": 42}
